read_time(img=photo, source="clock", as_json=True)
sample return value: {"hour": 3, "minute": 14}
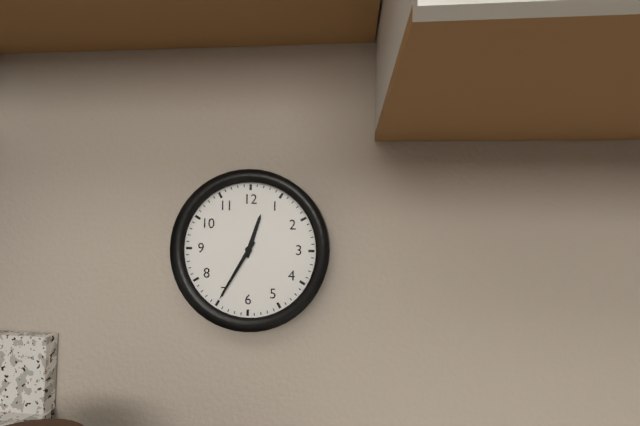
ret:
{"hour": 12, "minute": 35}
